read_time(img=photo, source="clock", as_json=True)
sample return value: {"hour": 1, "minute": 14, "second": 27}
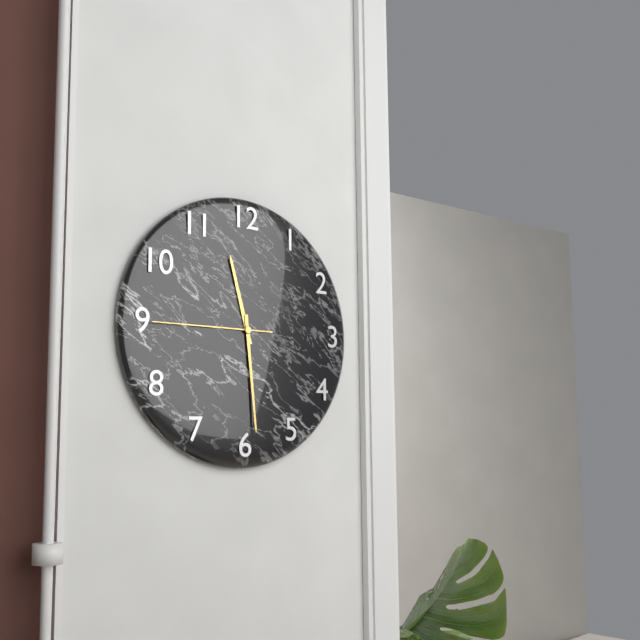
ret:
{"hour": 11, "minute": 29, "second": 45}
